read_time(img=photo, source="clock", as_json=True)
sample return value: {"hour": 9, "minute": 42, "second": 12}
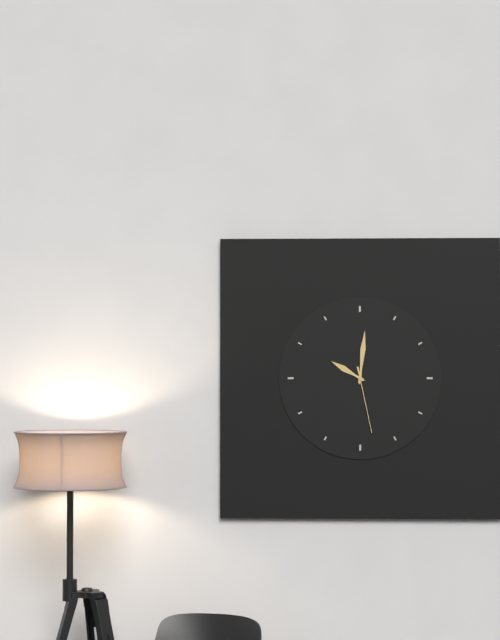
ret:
{"hour": 10, "minute": 1, "second": 28}
